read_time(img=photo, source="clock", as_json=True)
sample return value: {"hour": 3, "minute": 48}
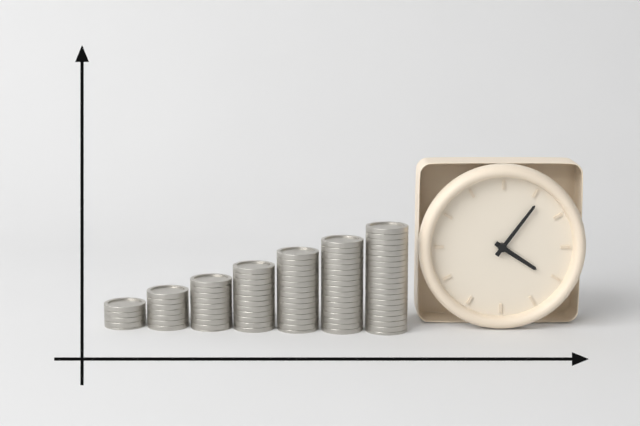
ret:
{"hour": 4, "minute": 6}
